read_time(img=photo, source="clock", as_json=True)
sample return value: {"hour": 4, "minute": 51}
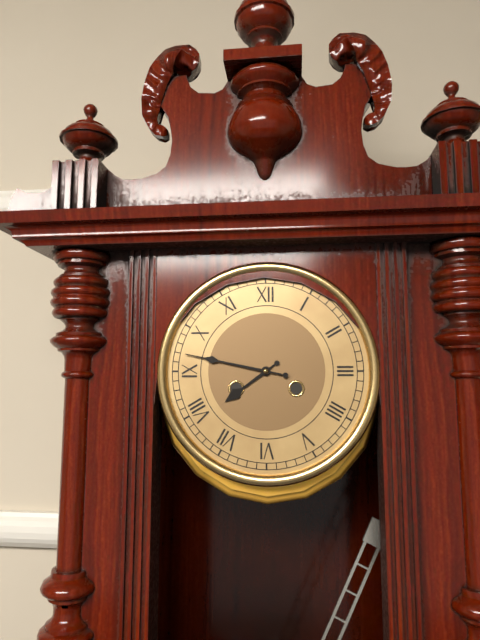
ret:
{"hour": 7, "minute": 47}
